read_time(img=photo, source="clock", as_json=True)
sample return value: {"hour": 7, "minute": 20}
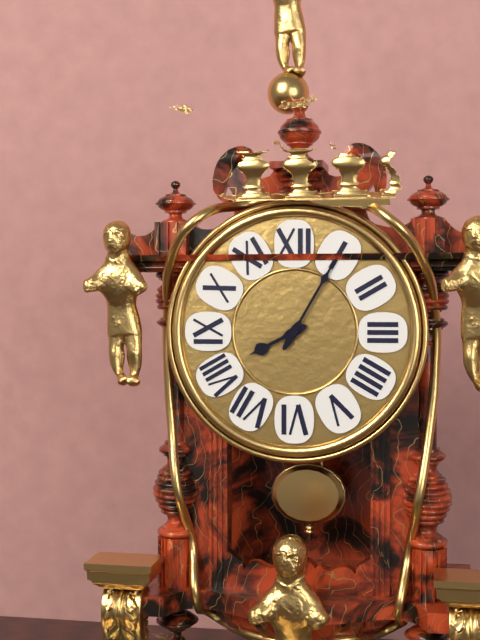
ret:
{"hour": 8, "minute": 5}
